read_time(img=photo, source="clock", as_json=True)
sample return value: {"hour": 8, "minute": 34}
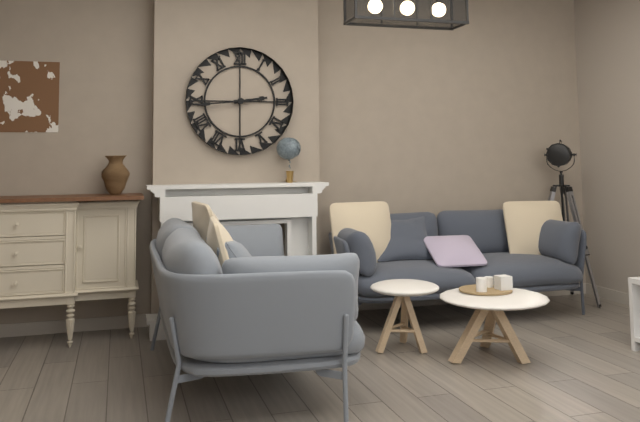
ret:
{"hour": 2, "minute": 44}
